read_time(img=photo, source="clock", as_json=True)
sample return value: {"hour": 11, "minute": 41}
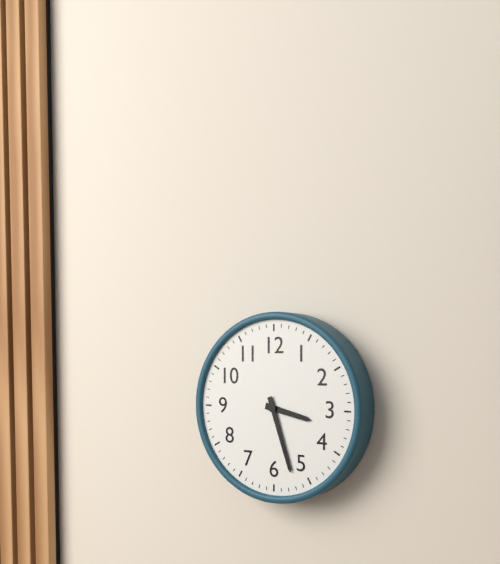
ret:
{"hour": 3, "minute": 27}
